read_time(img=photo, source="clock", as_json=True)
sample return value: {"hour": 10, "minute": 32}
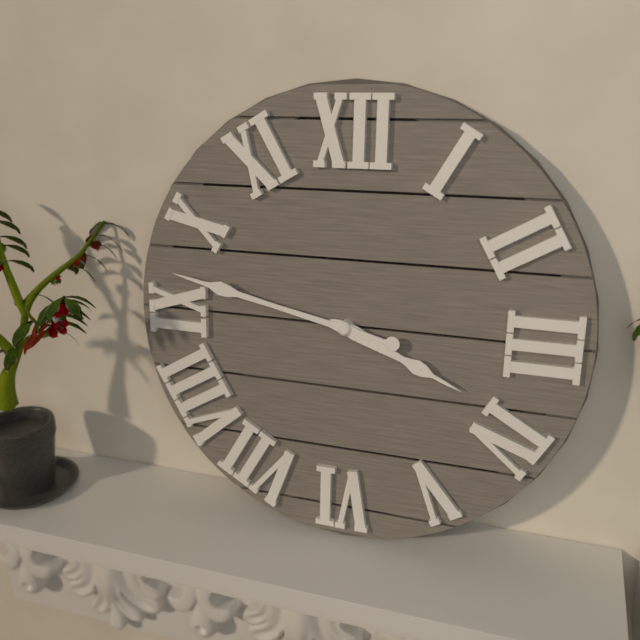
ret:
{"hour": 3, "minute": 47}
